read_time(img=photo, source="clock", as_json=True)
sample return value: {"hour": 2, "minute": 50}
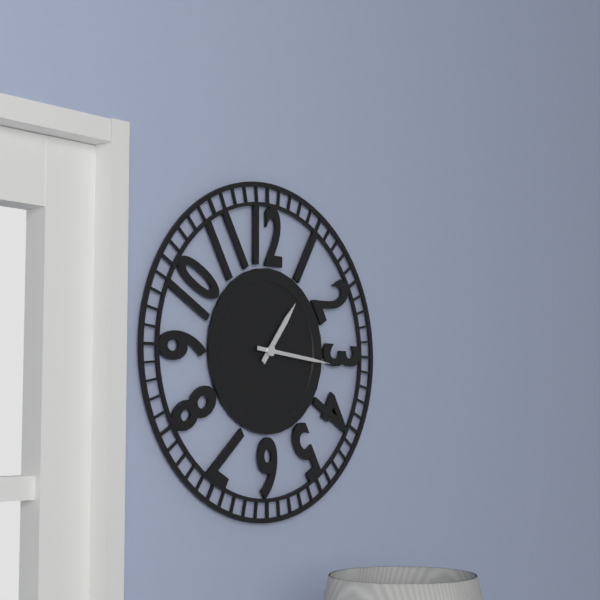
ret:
{"hour": 1, "minute": 16}
